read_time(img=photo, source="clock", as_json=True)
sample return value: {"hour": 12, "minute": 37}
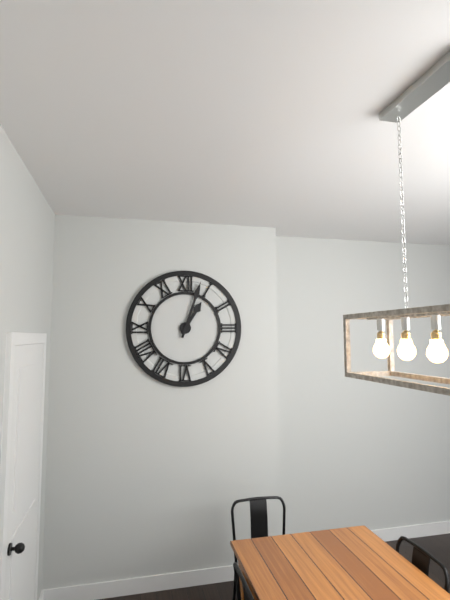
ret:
{"hour": 1, "minute": 3}
